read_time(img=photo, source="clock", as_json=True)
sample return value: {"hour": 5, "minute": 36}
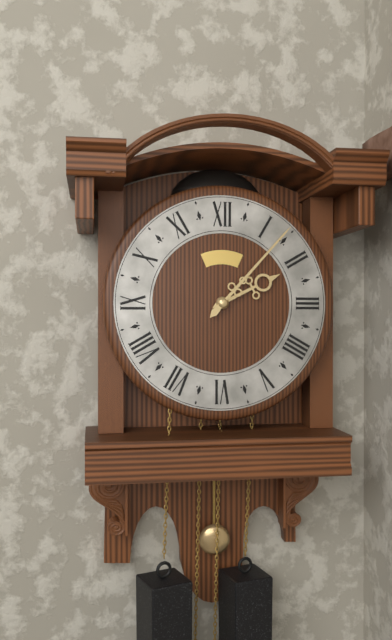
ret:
{"hour": 2, "minute": 7}
